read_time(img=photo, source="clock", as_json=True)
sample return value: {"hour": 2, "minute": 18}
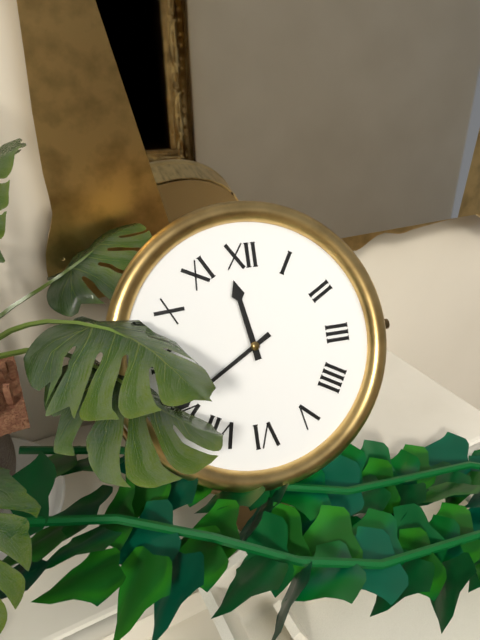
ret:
{"hour": 11, "minute": 40}
